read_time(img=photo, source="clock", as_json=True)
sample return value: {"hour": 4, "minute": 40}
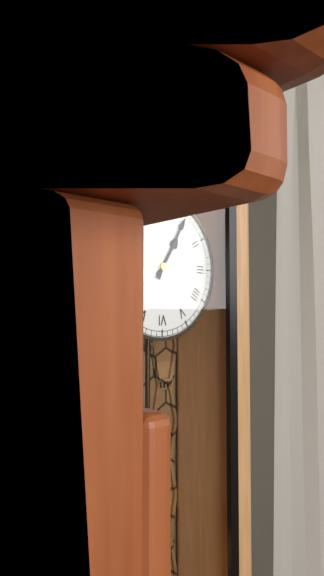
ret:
{"hour": 1, "minute": 5}
